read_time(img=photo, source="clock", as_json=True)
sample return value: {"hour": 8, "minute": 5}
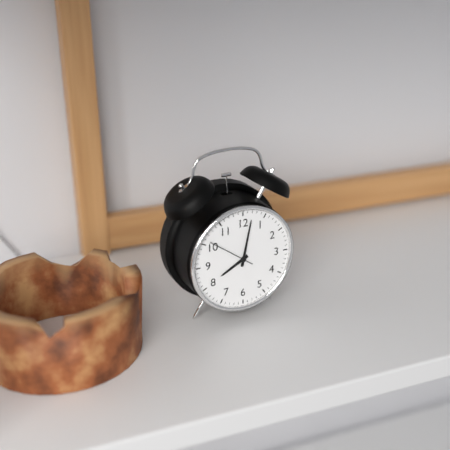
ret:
{"hour": 8, "minute": 2}
